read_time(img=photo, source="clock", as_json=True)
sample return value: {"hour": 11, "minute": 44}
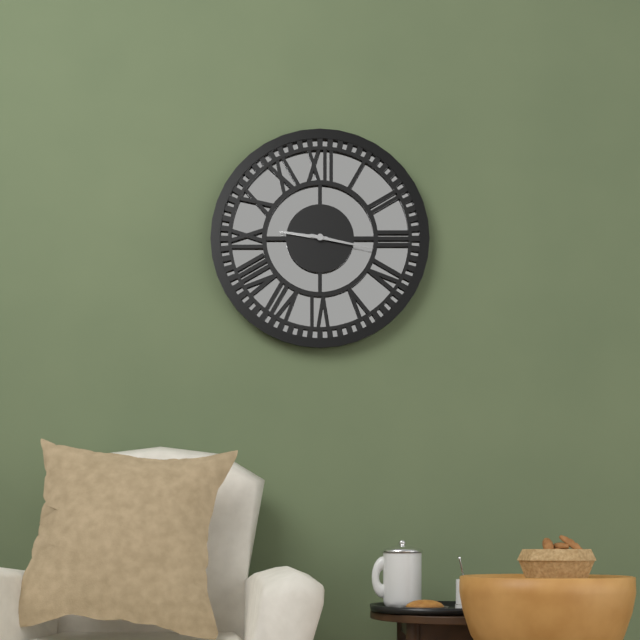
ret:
{"hour": 9, "minute": 17}
